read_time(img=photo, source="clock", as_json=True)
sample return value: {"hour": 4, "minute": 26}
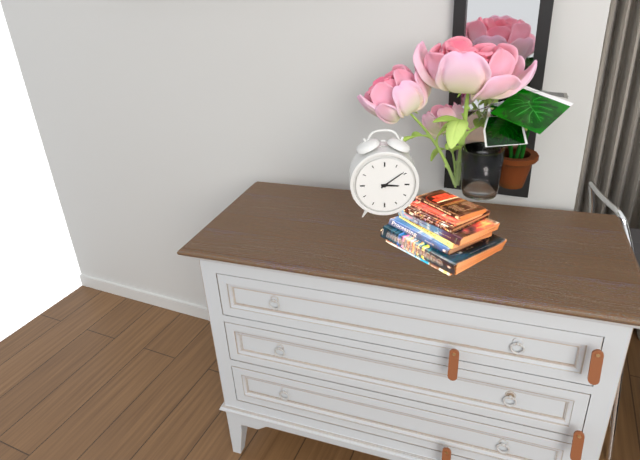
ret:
{"hour": 3, "minute": 9}
